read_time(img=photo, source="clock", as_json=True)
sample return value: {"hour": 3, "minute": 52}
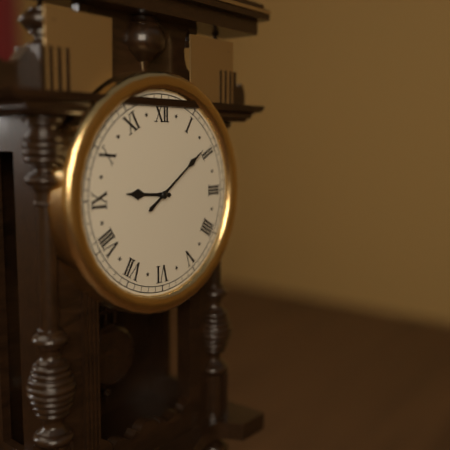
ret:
{"hour": 9, "minute": 9}
